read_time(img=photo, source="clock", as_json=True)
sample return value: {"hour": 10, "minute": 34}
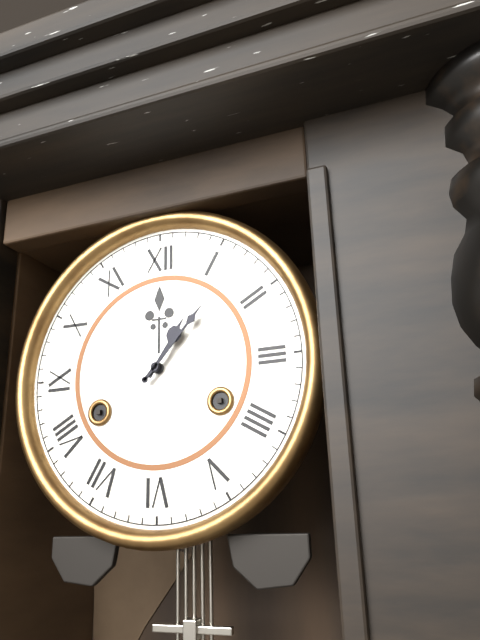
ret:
{"hour": 1, "minute": 7}
